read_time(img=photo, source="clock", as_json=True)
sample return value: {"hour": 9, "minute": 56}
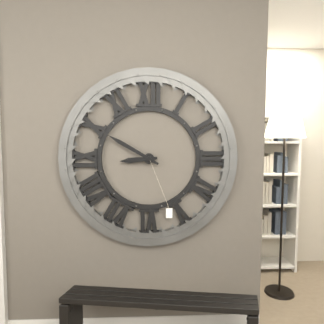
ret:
{"hour": 8, "minute": 50}
